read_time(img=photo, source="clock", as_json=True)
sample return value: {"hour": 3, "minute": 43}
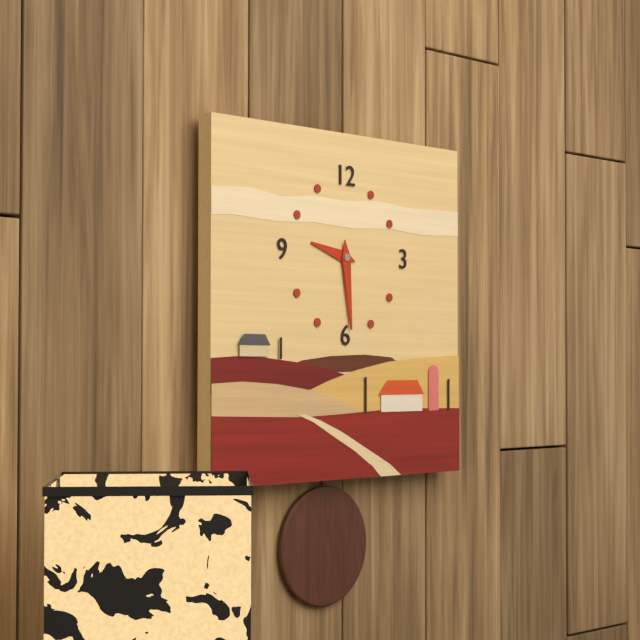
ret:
{"hour": 9, "minute": 29}
